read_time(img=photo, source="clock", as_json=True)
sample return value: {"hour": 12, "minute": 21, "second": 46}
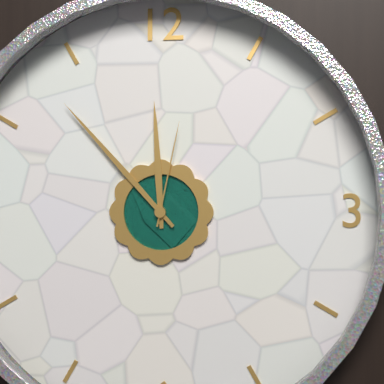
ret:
{"hour": 11, "minute": 53, "second": 2}
